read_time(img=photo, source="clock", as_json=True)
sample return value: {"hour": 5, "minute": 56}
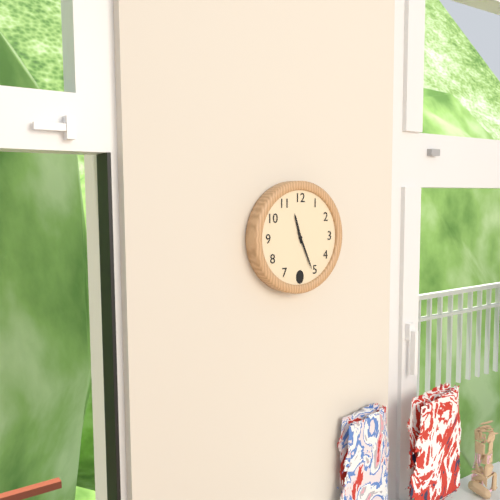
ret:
{"hour": 11, "minute": 26}
